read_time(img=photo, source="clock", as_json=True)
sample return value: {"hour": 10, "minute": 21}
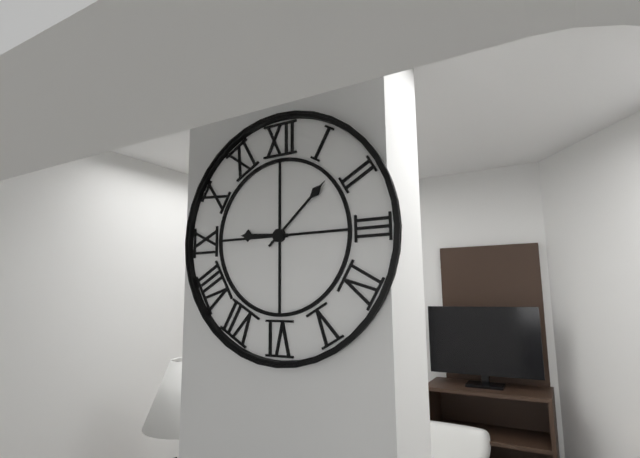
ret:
{"hour": 9, "minute": 8}
